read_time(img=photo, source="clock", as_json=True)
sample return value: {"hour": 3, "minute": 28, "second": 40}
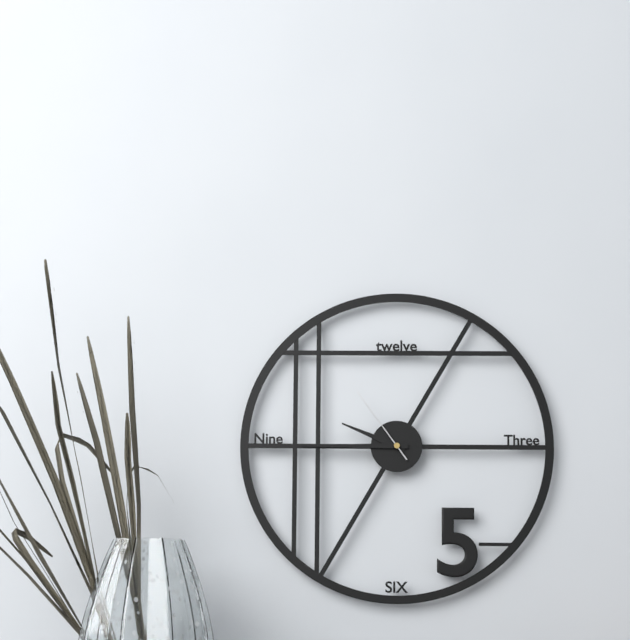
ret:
{"hour": 9, "minute": 45, "second": 54}
